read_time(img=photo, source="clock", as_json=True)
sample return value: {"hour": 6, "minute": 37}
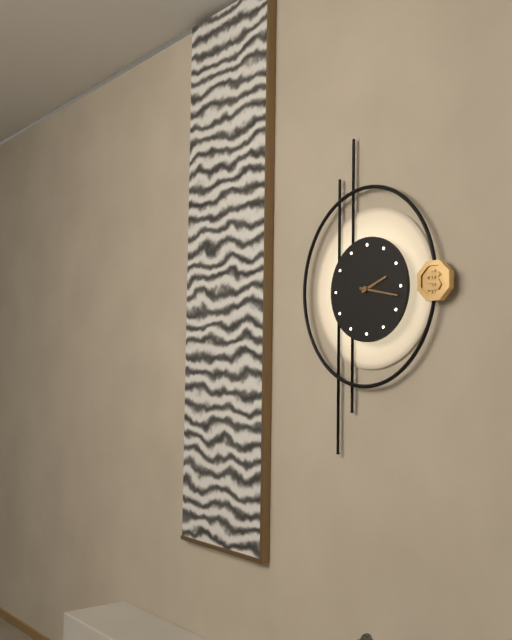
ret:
{"hour": 2, "minute": 17}
